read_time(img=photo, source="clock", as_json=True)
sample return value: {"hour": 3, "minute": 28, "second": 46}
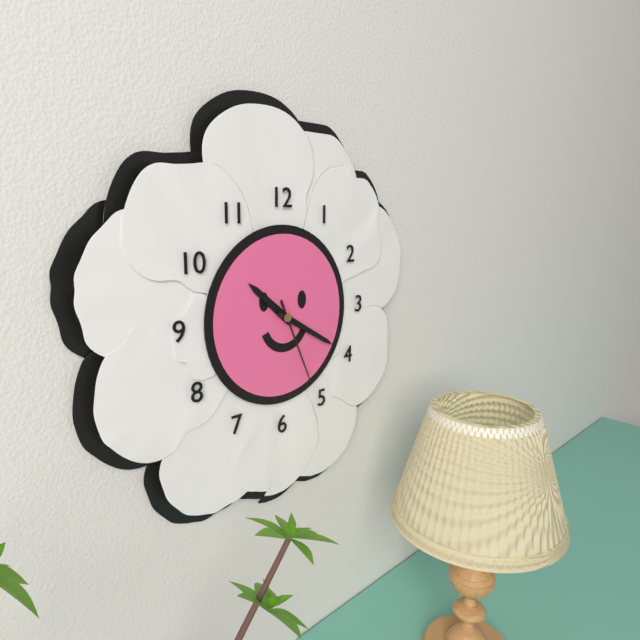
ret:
{"hour": 10, "minute": 20, "second": 26}
